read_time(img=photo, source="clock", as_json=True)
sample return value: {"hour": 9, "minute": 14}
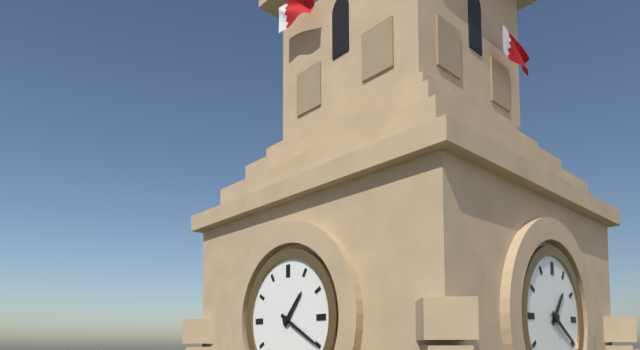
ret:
{"hour": 1, "minute": 20}
